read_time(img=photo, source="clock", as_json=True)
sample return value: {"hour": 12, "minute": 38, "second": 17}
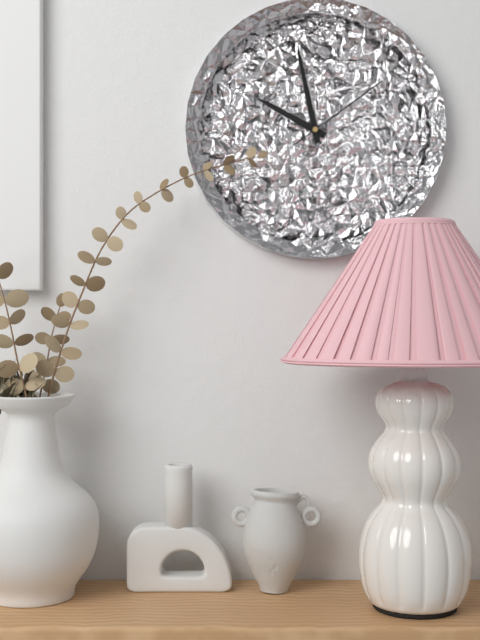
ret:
{"hour": 9, "minute": 58, "second": 9}
